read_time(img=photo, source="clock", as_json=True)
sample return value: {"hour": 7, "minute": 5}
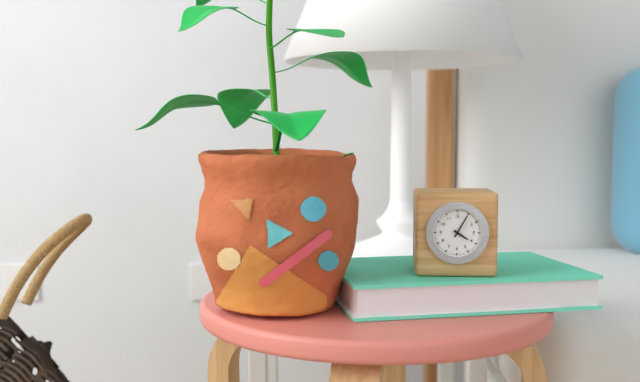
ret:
{"hour": 4, "minute": 5}
